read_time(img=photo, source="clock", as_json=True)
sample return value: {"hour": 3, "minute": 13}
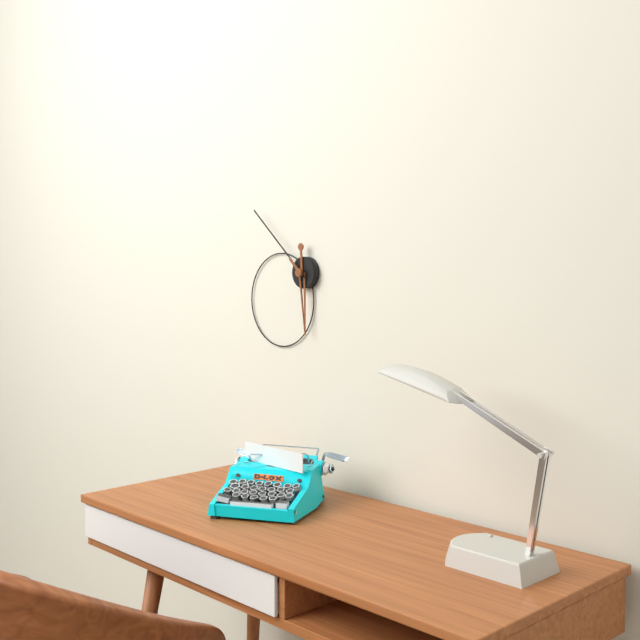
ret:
{"hour": 5, "minute": 52}
